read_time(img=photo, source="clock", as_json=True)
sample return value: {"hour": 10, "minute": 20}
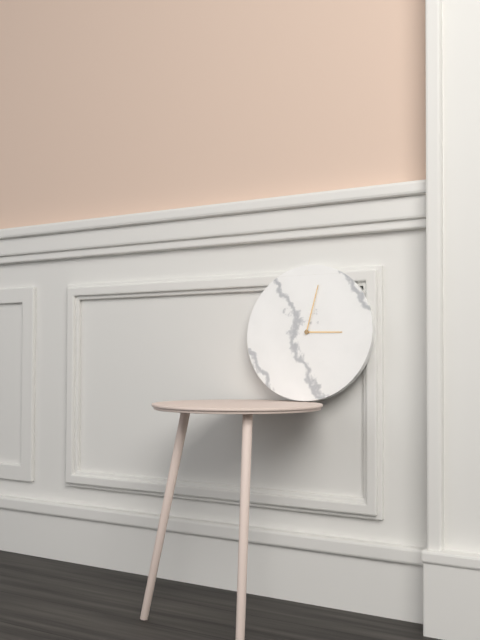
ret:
{"hour": 3, "minute": 2}
